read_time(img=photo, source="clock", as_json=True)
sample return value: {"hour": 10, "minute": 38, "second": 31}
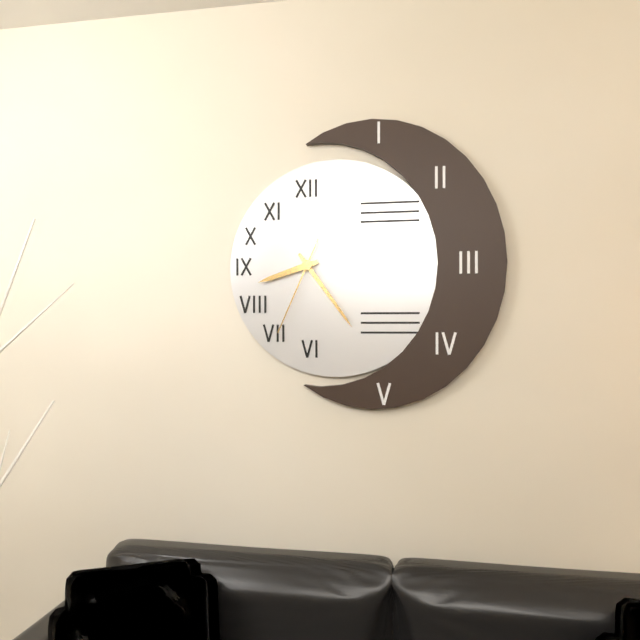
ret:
{"hour": 8, "minute": 24, "second": 34}
